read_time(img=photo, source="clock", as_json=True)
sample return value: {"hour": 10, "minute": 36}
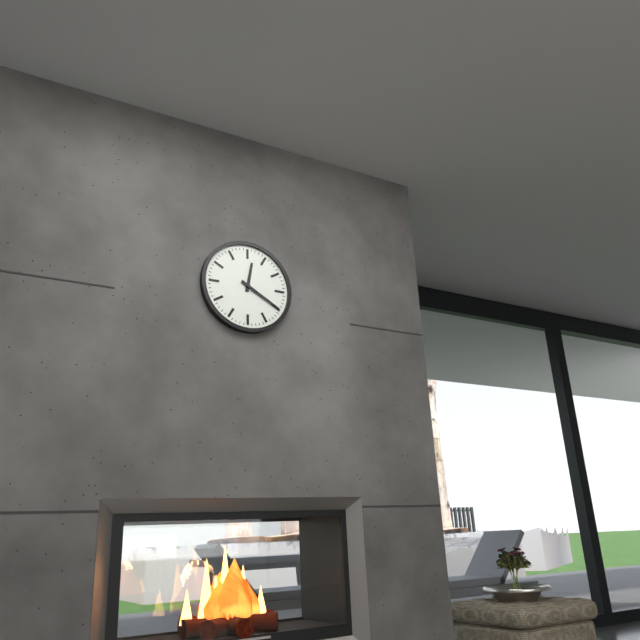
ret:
{"hour": 12, "minute": 20}
